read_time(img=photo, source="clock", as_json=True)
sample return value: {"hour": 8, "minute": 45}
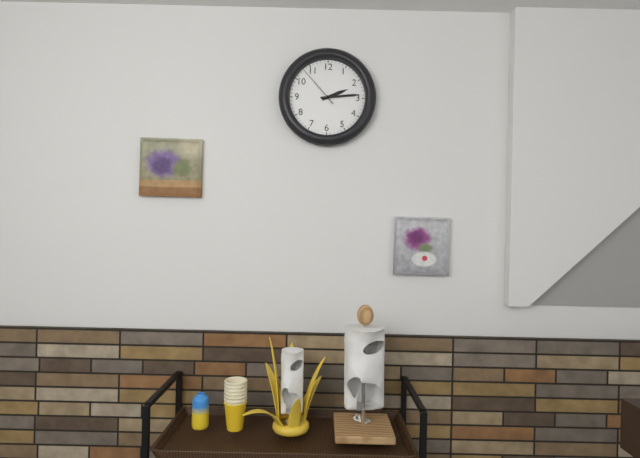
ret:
{"hour": 2, "minute": 14}
